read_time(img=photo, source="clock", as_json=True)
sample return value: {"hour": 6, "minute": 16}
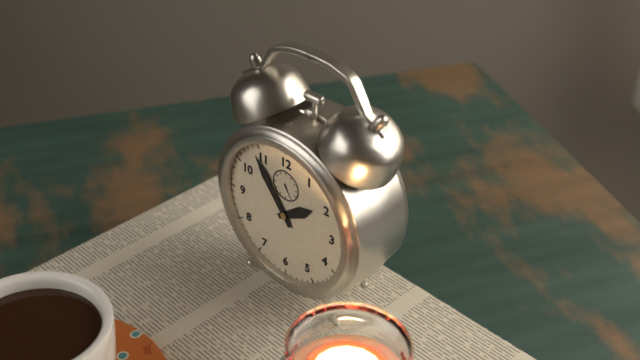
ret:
{"hour": 1, "minute": 54}
